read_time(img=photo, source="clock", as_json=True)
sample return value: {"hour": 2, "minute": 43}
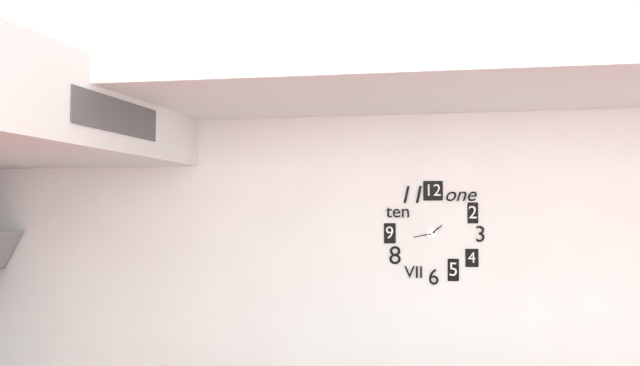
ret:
{"hour": 1, "minute": 43}
